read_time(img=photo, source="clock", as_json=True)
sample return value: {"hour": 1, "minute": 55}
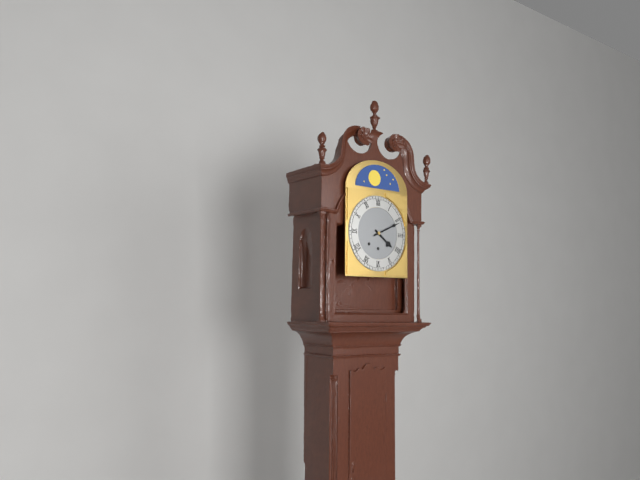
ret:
{"hour": 4, "minute": 11}
